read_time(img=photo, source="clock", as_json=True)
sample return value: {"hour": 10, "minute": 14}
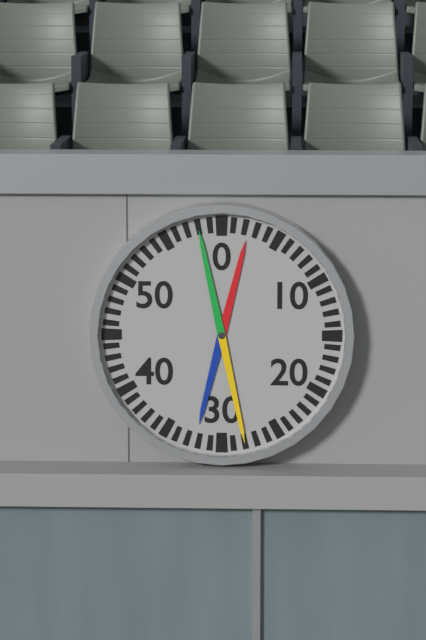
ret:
{"hour": 12, "minute": 28}
